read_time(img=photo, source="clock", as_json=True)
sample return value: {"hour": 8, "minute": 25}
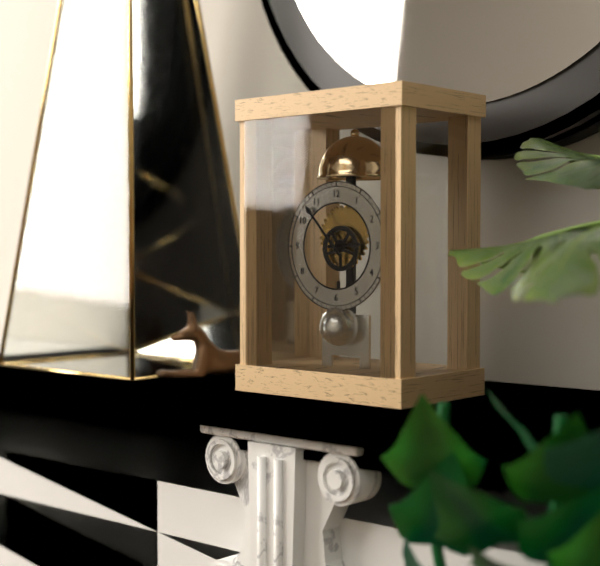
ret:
{"hour": 2, "minute": 53}
